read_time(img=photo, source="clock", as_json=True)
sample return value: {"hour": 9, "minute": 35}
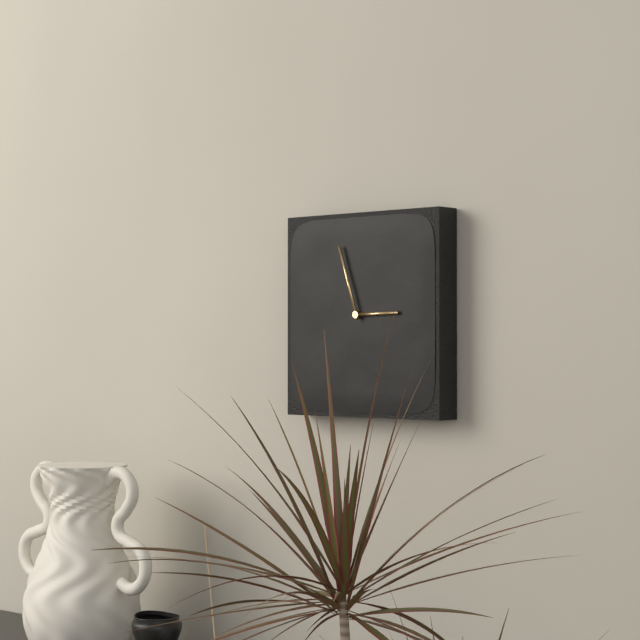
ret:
{"hour": 2, "minute": 57}
